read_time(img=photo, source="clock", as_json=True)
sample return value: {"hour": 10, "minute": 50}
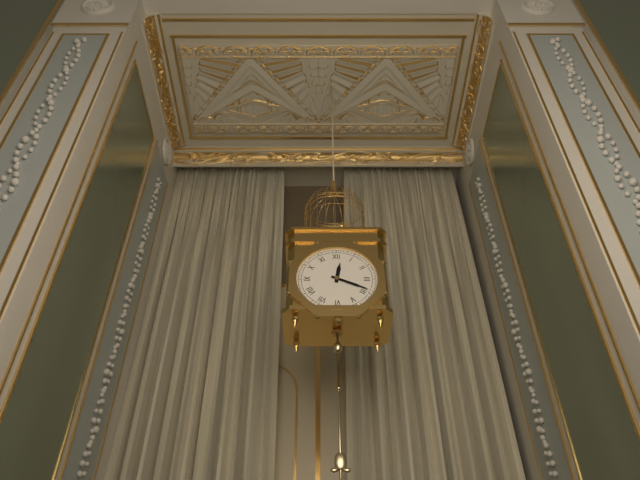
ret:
{"hour": 12, "minute": 19}
